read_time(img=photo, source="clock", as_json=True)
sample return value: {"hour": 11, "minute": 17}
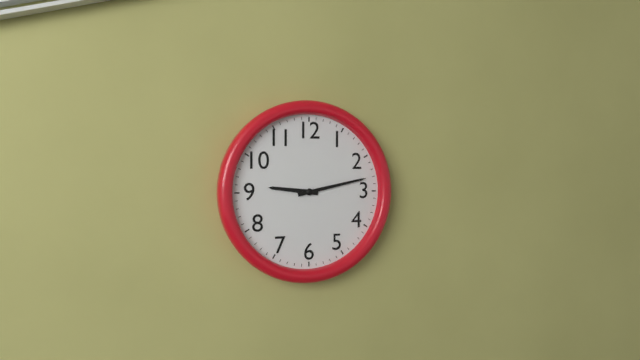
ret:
{"hour": 9, "minute": 13}
